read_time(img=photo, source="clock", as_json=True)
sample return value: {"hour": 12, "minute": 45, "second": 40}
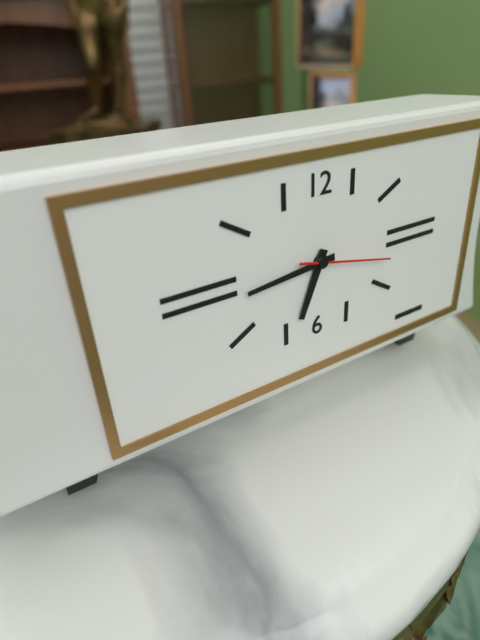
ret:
{"hour": 6, "minute": 44, "second": 17}
